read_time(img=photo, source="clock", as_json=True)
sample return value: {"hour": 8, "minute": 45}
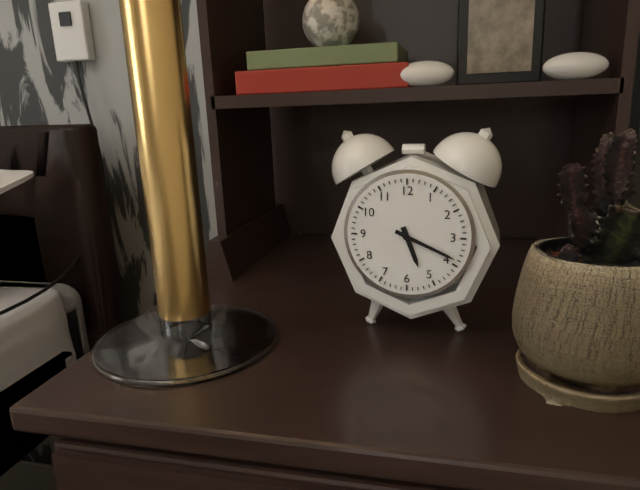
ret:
{"hour": 5, "minute": 19}
